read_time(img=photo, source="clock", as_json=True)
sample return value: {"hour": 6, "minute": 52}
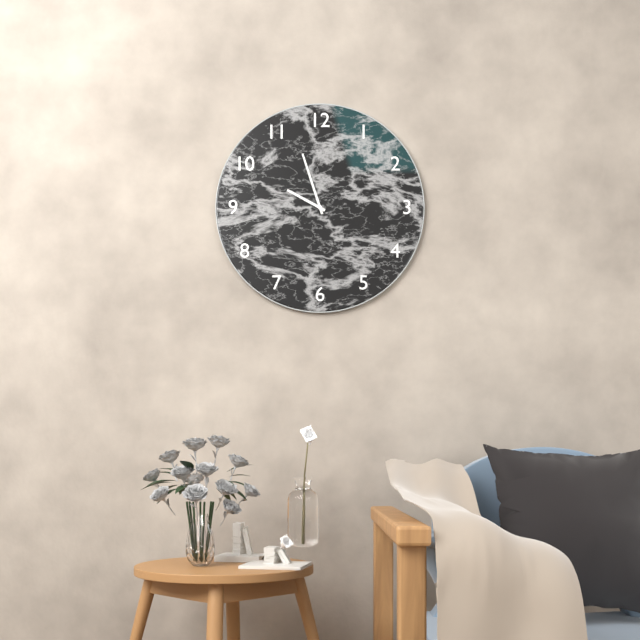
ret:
{"hour": 9, "minute": 57}
